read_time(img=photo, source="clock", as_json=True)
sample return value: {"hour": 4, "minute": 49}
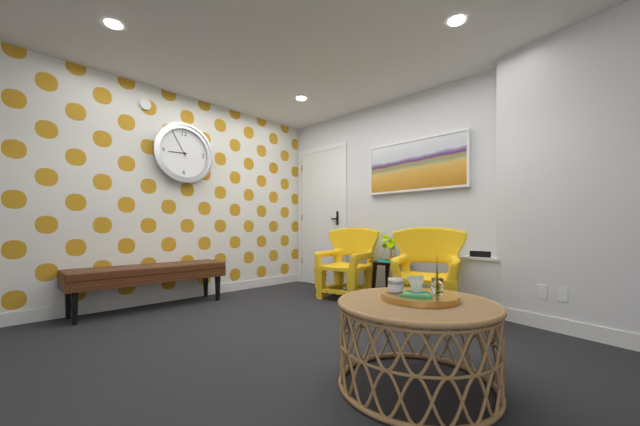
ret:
{"hour": 8, "minute": 55}
